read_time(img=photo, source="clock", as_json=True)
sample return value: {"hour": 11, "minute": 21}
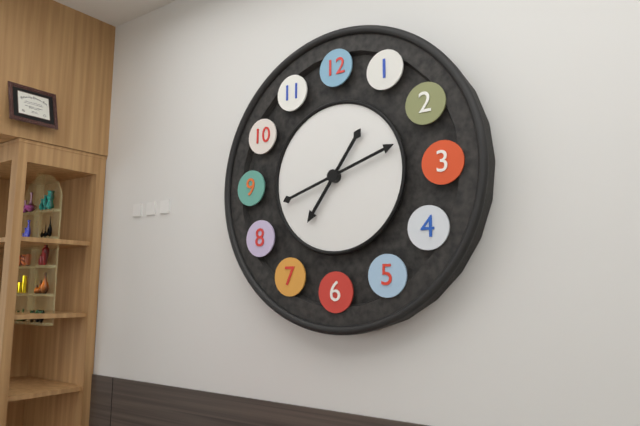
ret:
{"hour": 7, "minute": 12}
